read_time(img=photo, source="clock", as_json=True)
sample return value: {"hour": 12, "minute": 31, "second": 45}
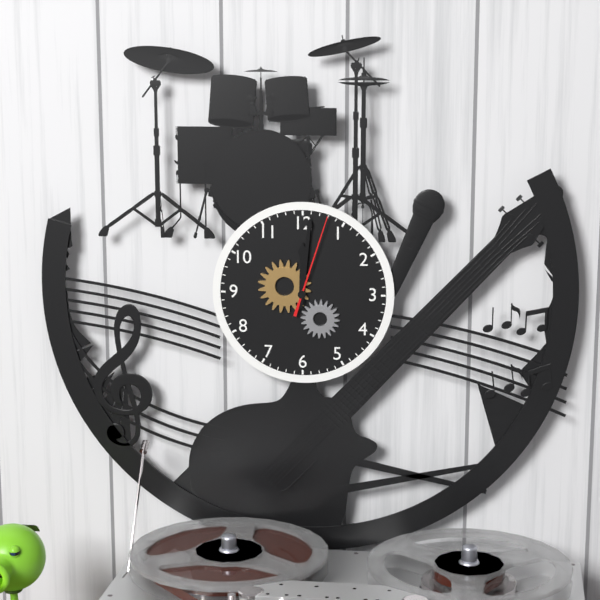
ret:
{"hour": 12, "minute": 1, "second": 3}
